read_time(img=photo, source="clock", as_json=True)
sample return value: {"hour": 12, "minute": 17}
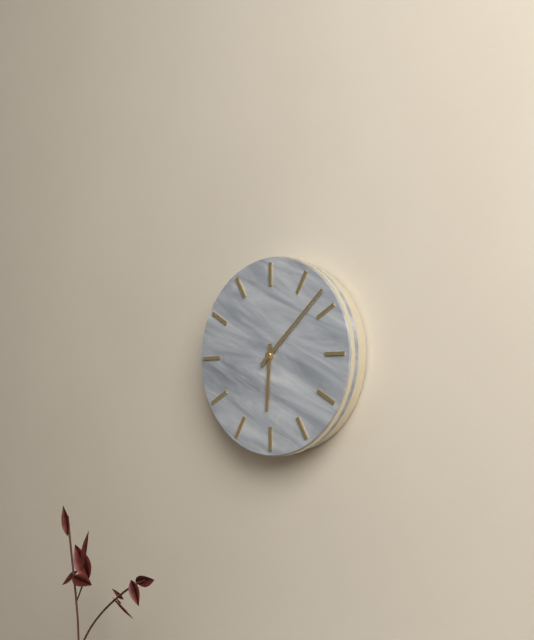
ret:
{"hour": 6, "minute": 8}
